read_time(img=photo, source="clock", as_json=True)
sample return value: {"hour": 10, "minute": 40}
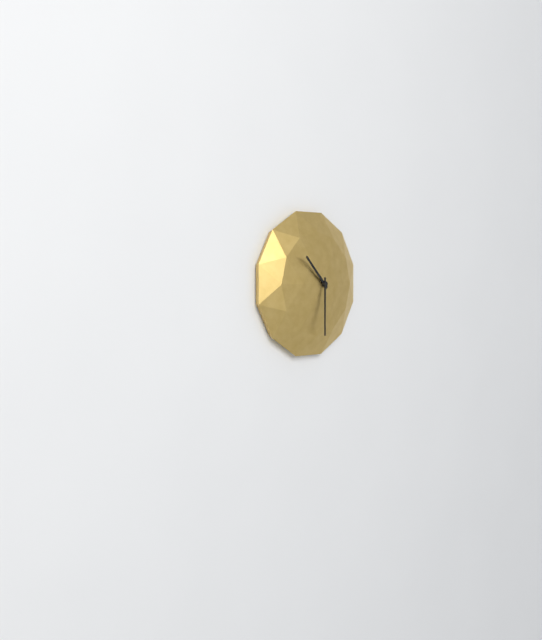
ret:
{"hour": 10, "minute": 30}
